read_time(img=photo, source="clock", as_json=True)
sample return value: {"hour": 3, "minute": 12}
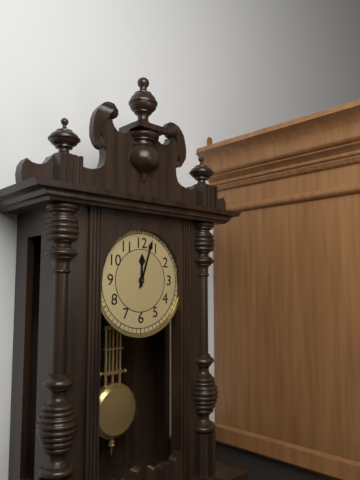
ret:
{"hour": 12, "minute": 3}
